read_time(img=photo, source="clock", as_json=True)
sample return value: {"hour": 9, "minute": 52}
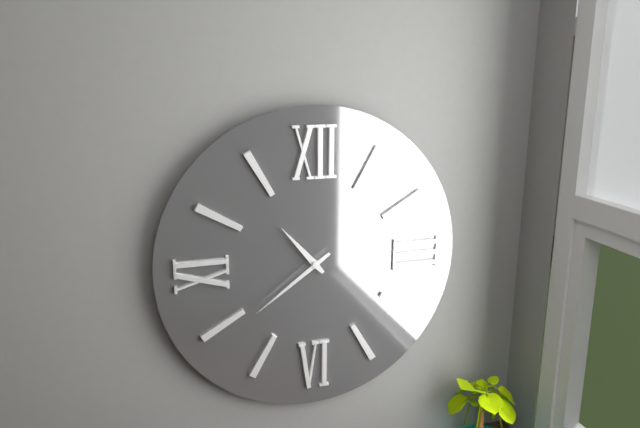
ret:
{"hour": 10, "minute": 39}
